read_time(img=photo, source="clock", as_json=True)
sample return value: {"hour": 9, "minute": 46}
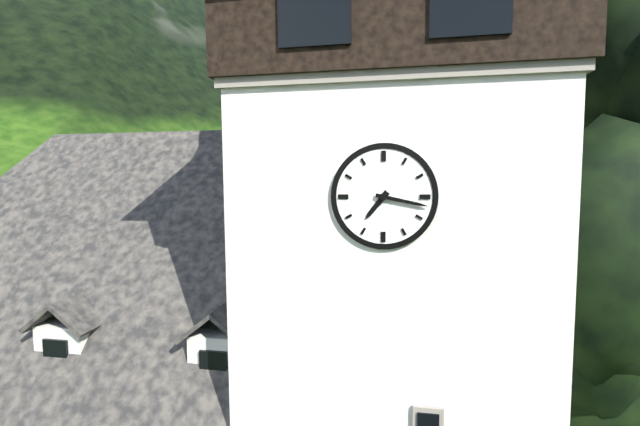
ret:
{"hour": 7, "minute": 17}
